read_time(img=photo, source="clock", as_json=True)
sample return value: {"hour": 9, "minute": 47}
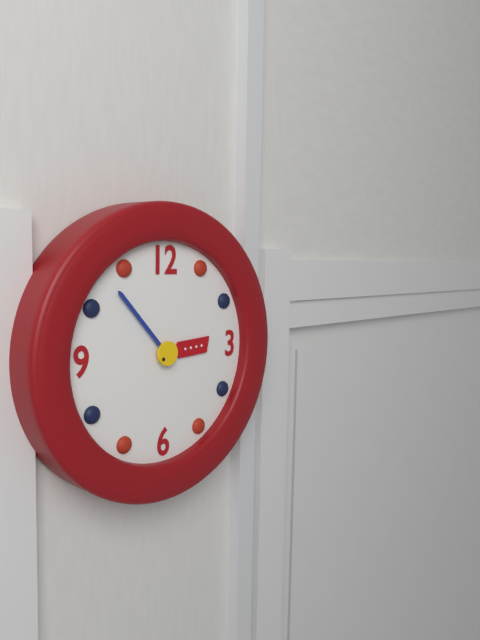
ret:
{"hour": 2, "minute": 53}
